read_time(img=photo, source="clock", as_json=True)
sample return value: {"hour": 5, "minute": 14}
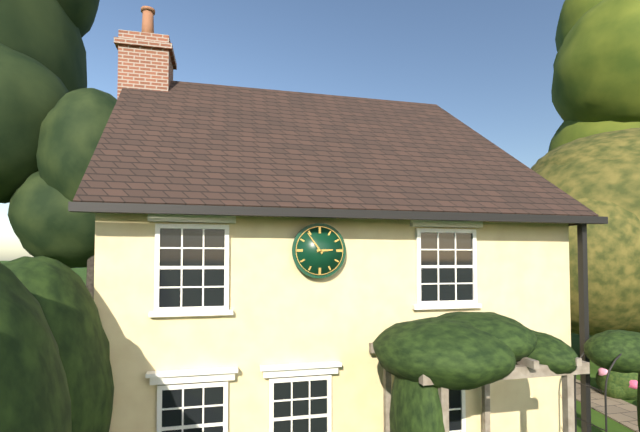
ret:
{"hour": 2, "minute": 54}
